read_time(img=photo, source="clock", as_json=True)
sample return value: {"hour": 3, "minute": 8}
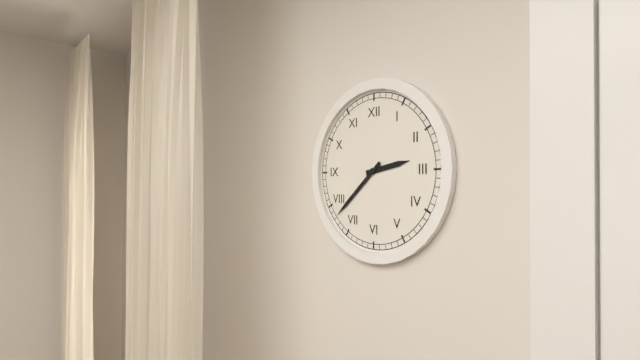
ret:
{"hour": 2, "minute": 38}
